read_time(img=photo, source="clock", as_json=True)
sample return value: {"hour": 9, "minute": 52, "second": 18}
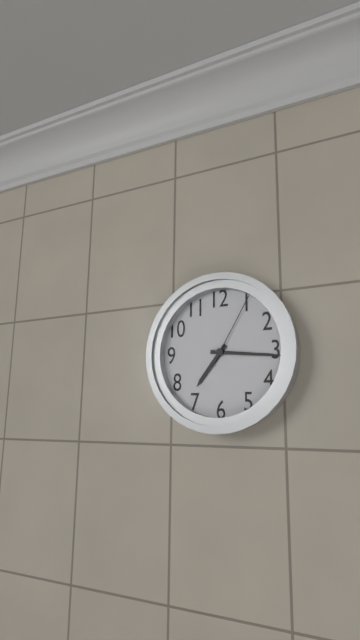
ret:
{"hour": 7, "minute": 16, "second": 5}
